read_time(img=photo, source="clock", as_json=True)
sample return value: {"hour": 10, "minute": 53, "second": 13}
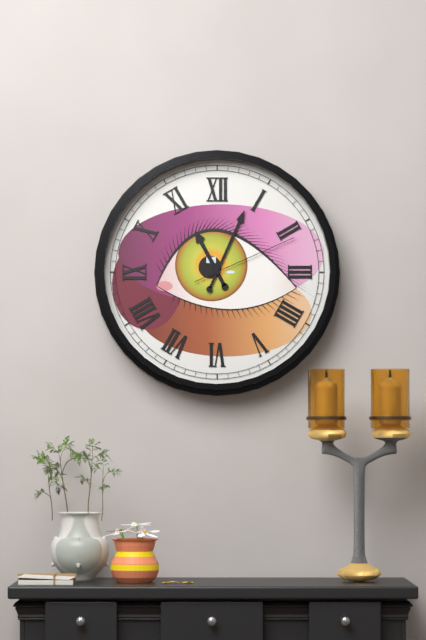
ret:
{"hour": 11, "minute": 4, "second": 11}
